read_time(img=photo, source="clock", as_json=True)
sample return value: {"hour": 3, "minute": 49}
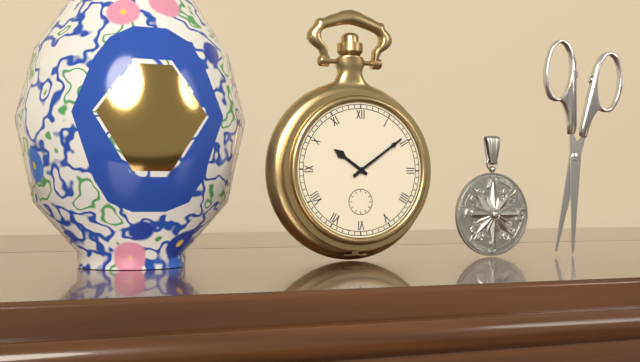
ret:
{"hour": 10, "minute": 9}
